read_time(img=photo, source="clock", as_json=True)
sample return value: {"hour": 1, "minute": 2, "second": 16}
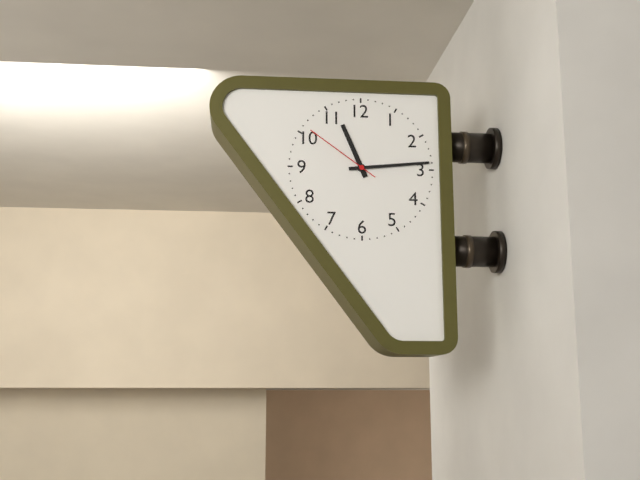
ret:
{"hour": 11, "minute": 14, "second": 51}
